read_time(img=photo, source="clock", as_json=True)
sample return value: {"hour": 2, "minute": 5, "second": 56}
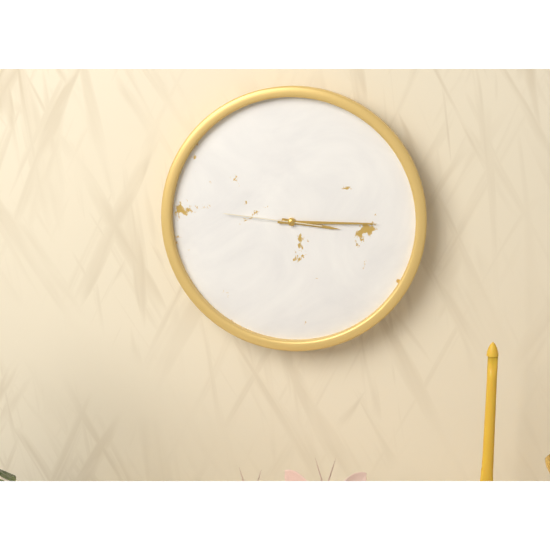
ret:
{"hour": 3, "minute": 15, "second": 46}
